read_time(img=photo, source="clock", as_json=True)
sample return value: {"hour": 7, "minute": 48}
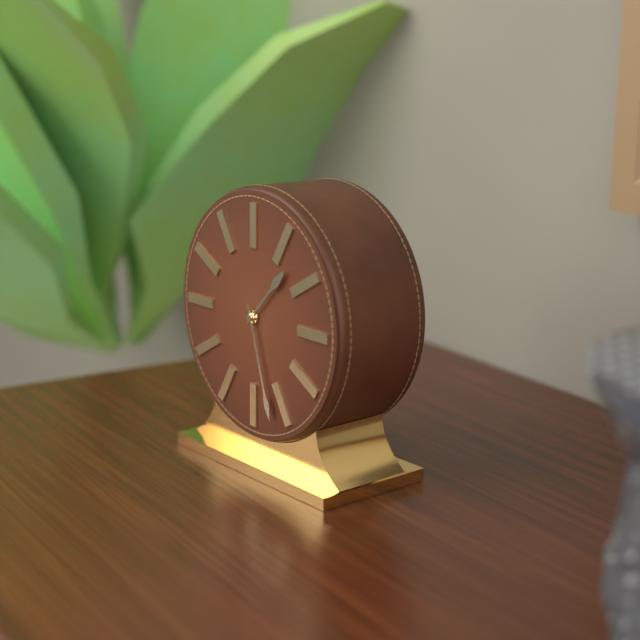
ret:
{"hour": 1, "minute": 27}
